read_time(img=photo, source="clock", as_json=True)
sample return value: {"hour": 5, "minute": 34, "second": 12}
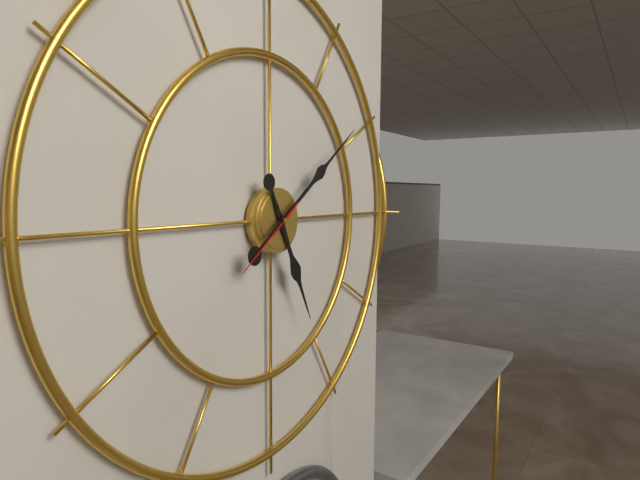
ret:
{"hour": 5, "minute": 9, "second": 39}
